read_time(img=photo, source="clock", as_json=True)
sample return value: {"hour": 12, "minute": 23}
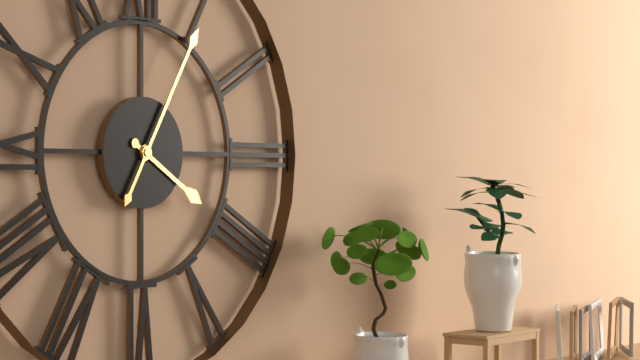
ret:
{"hour": 4, "minute": 5}
